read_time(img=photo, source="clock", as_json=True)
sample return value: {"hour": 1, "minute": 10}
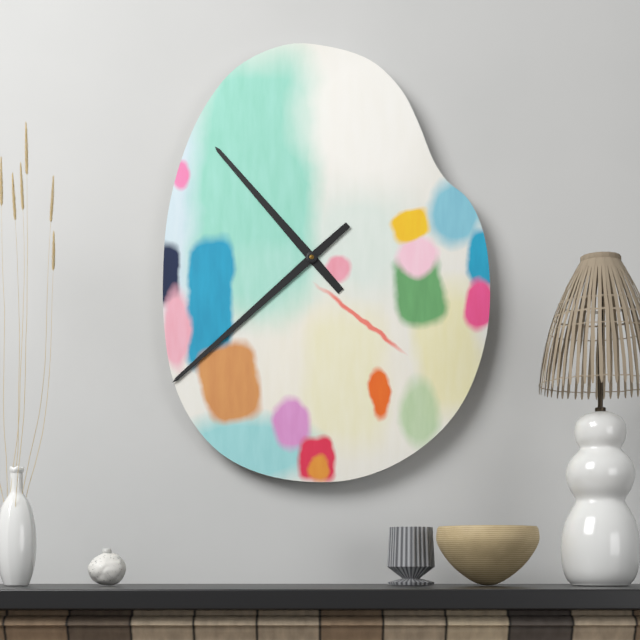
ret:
{"hour": 10, "minute": 38}
